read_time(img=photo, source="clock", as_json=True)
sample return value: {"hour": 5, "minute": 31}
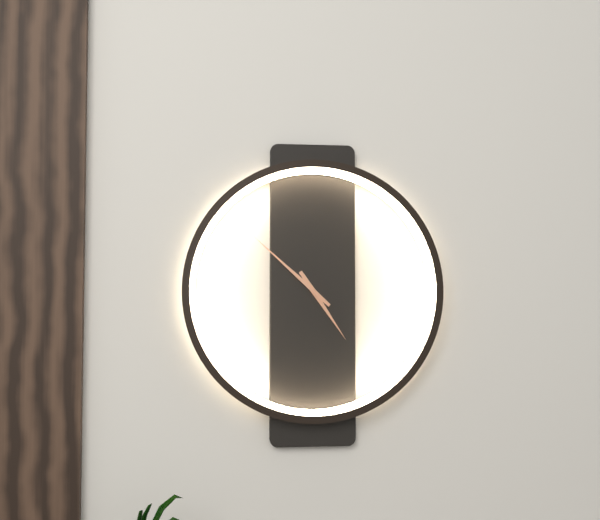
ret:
{"hour": 4, "minute": 52}
